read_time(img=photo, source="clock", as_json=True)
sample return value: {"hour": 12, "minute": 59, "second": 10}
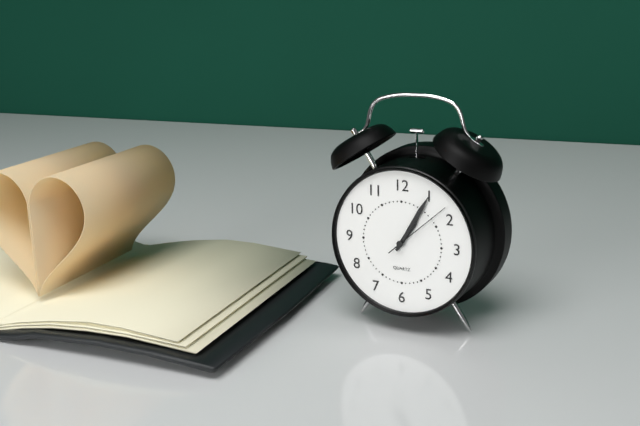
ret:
{"hour": 1, "minute": 5, "second": 8}
